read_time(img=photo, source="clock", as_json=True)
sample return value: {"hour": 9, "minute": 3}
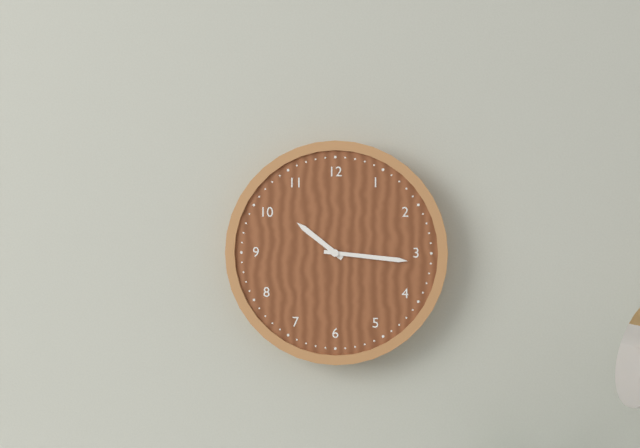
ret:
{"hour": 10, "minute": 16}
